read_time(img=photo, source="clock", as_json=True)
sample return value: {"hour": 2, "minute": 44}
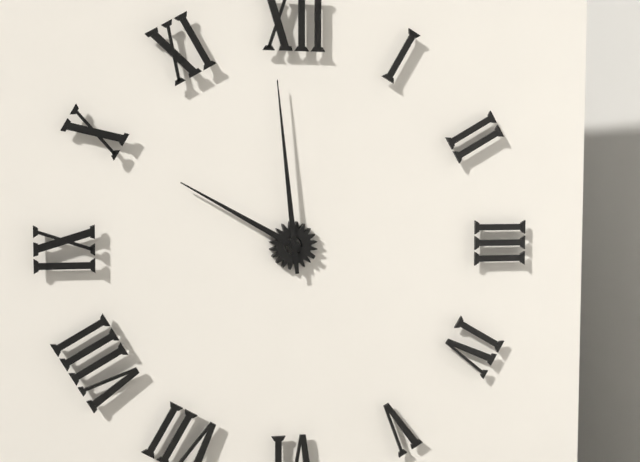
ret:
{"hour": 9, "minute": 59}
